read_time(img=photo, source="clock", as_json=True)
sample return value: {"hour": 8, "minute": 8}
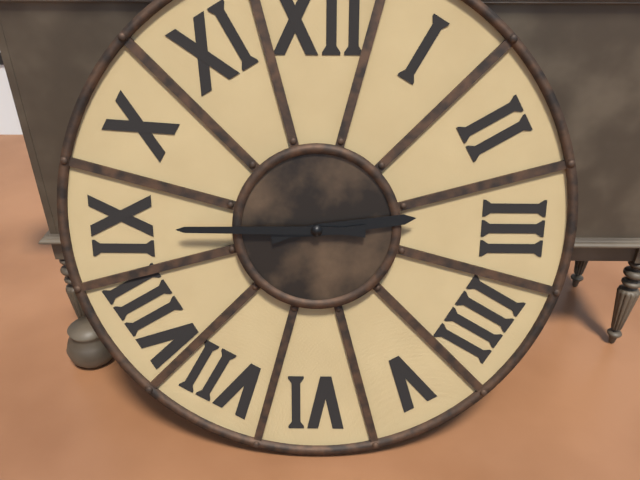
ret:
{"hour": 2, "minute": 45}
